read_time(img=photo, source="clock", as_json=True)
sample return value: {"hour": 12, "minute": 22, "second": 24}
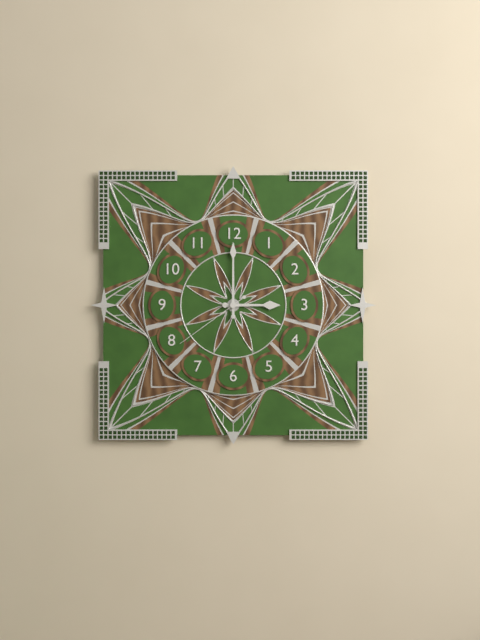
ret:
{"hour": 3, "minute": 0, "second": 39}
